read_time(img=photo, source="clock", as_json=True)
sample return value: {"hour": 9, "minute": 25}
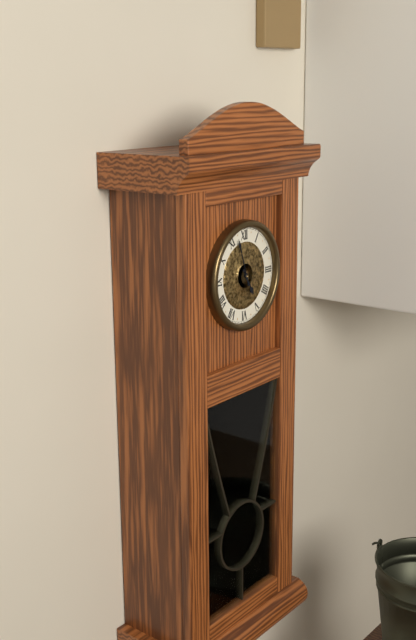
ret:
{"hour": 4, "minute": 57}
